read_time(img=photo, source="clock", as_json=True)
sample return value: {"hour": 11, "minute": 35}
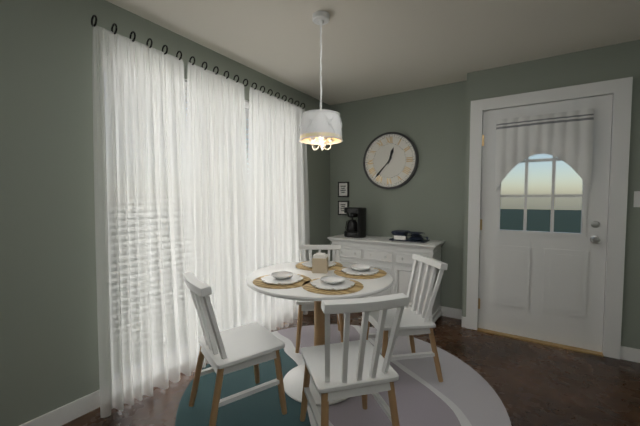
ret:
{"hour": 12, "minute": 37}
